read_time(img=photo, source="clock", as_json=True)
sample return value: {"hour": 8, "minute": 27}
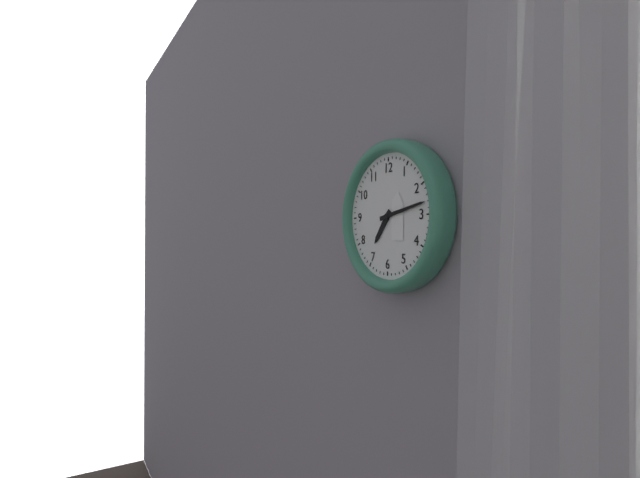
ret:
{"hour": 7, "minute": 13}
